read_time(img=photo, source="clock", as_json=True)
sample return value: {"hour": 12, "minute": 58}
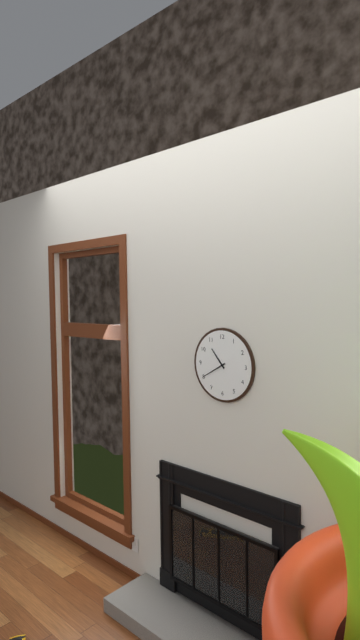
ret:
{"hour": 10, "minute": 40}
